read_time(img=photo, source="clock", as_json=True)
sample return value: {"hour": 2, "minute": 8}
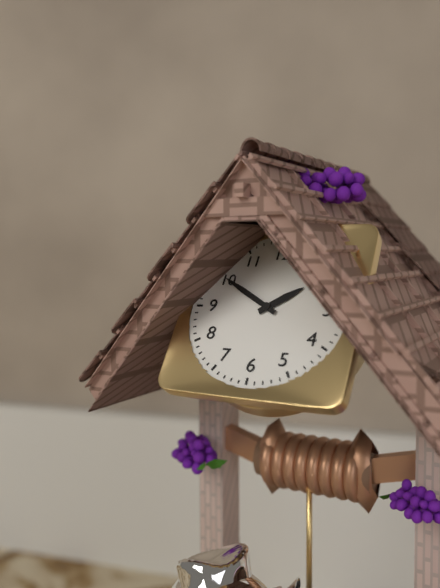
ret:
{"hour": 1, "minute": 50}
